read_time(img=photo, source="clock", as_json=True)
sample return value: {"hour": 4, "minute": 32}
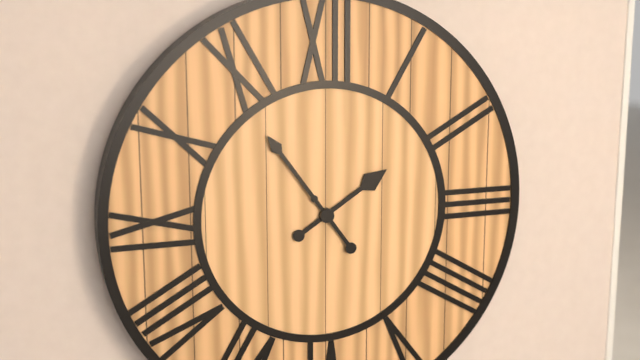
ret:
{"hour": 1, "minute": 54}
